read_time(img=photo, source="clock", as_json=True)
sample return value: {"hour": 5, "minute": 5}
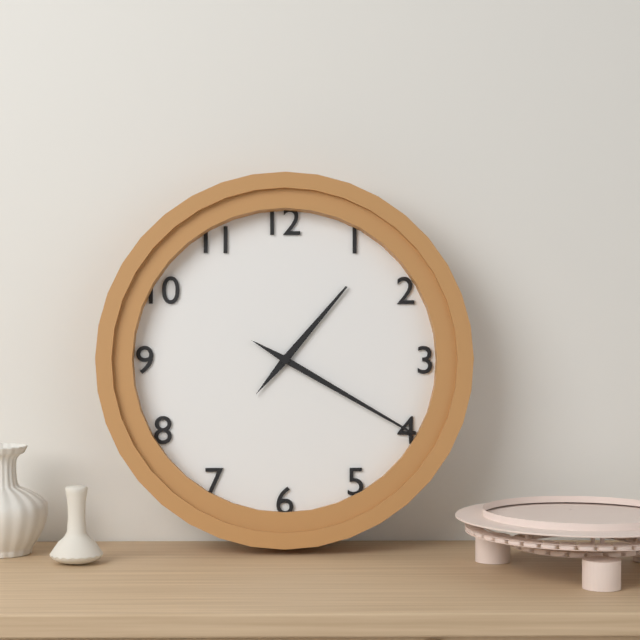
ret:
{"hour": 1, "minute": 20}
